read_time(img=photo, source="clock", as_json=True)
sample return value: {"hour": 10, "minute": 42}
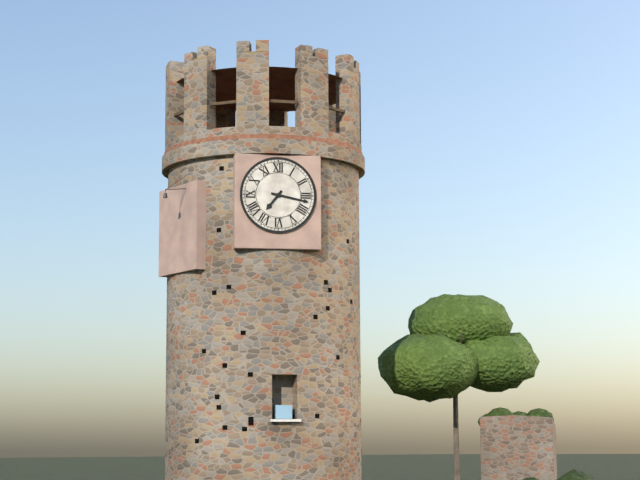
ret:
{"hour": 7, "minute": 17}
